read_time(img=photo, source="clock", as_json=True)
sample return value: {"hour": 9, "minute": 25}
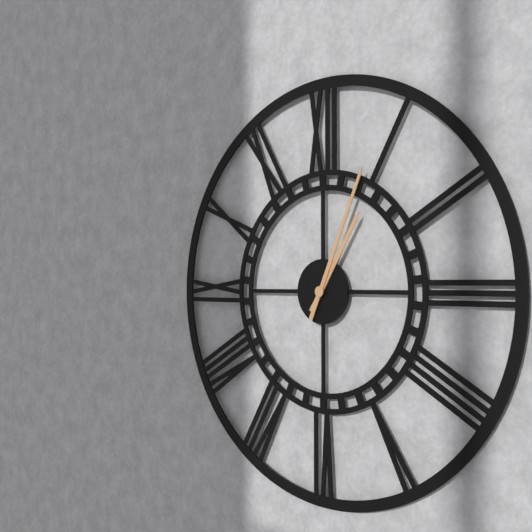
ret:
{"hour": 1, "minute": 4}
